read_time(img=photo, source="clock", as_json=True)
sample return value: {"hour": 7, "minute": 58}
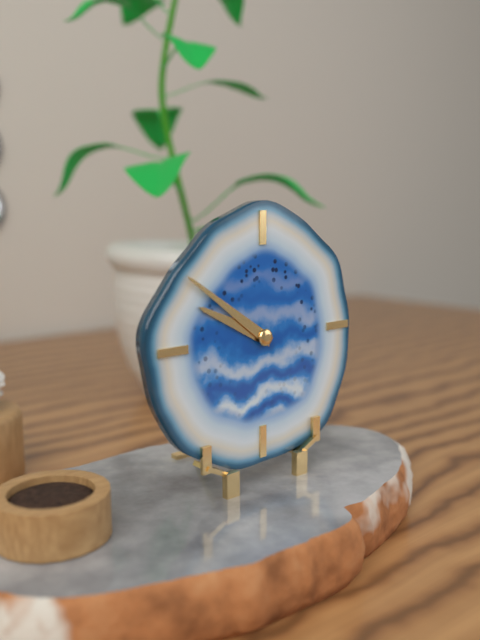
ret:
{"hour": 9, "minute": 51}
